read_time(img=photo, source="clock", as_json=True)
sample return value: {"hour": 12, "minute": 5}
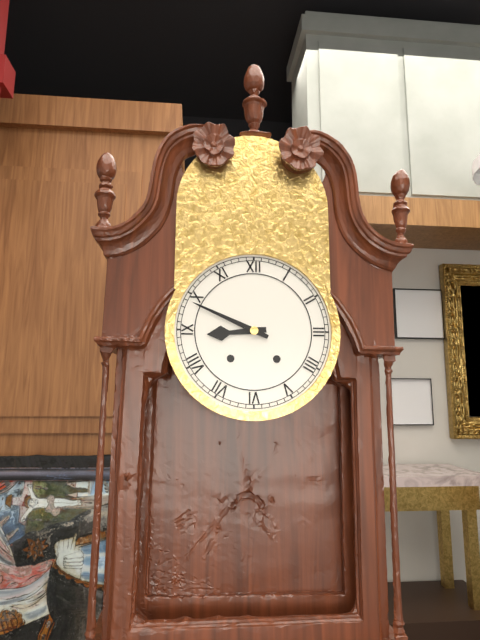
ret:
{"hour": 8, "minute": 49}
